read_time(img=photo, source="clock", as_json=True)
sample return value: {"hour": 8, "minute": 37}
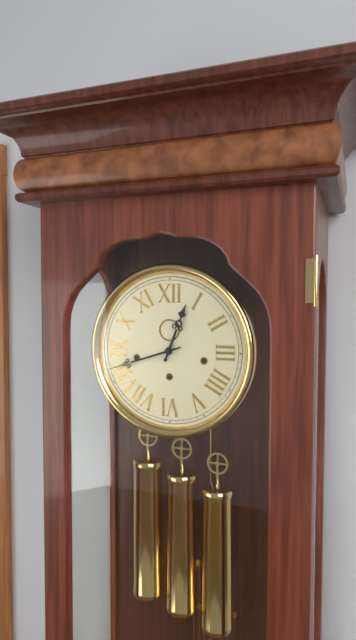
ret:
{"hour": 12, "minute": 42}
